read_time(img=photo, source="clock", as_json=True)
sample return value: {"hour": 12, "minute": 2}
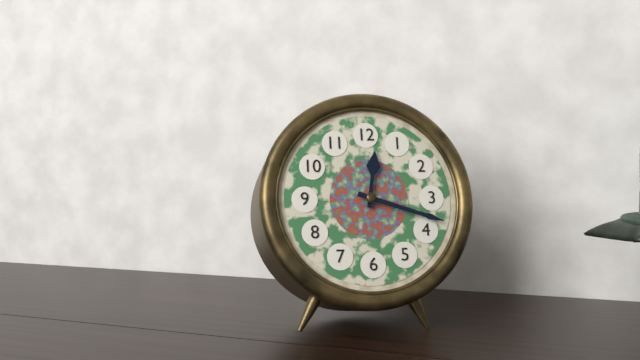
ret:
{"hour": 12, "minute": 18}
